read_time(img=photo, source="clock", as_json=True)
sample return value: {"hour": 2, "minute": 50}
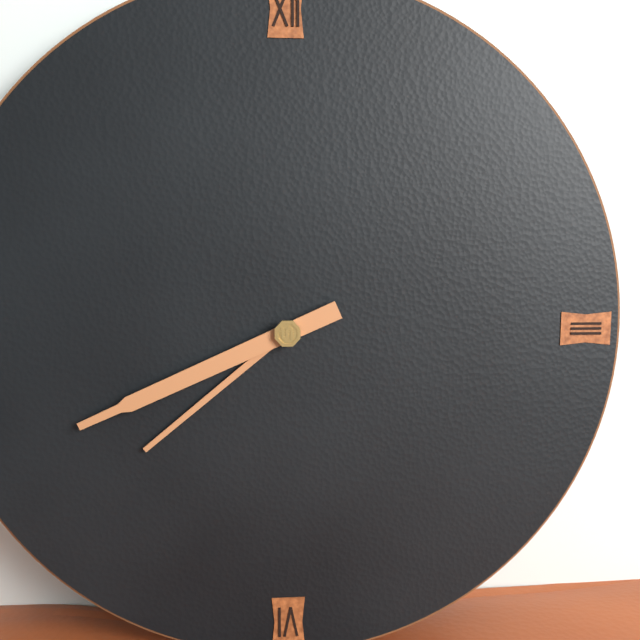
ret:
{"hour": 7, "minute": 41}
